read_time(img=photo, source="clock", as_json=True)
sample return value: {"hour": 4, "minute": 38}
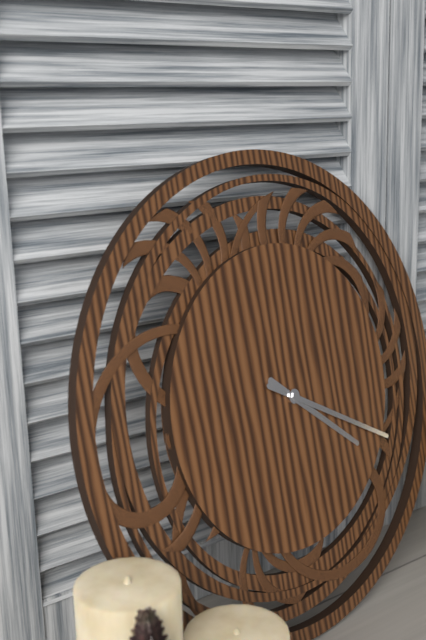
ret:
{"hour": 4, "minute": 20}
